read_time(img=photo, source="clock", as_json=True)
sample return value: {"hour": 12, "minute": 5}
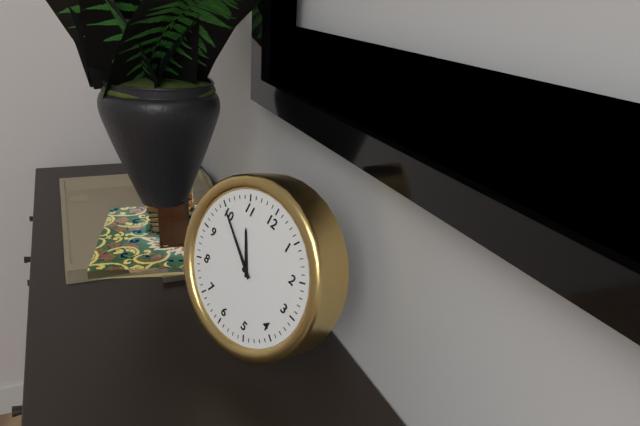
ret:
{"hour": 10, "minute": 50}
